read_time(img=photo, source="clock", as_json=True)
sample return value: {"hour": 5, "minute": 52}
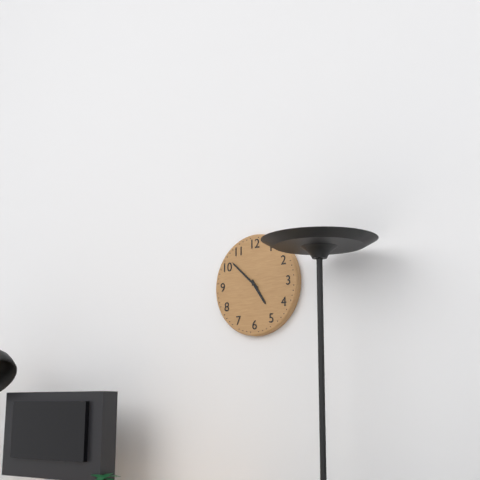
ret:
{"hour": 4, "minute": 52}
